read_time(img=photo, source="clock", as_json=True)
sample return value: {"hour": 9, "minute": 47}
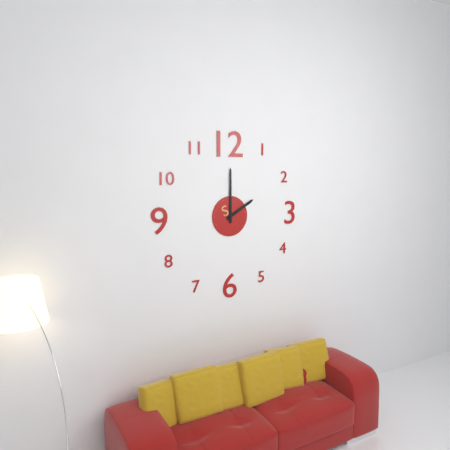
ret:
{"hour": 2, "minute": 0}
